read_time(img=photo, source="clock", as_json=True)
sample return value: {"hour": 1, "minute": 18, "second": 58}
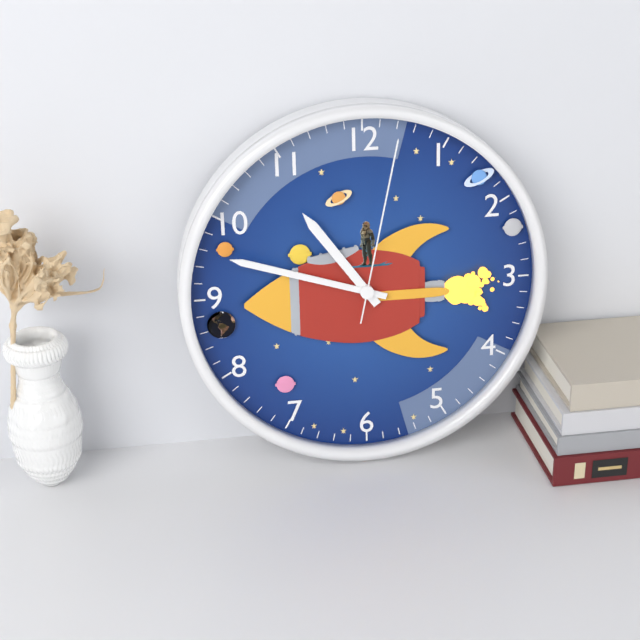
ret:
{"hour": 10, "minute": 48, "second": 2}
